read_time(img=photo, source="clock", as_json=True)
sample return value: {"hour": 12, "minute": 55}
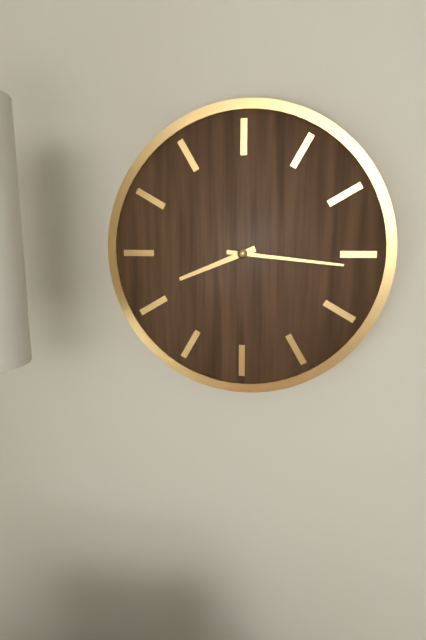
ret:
{"hour": 8, "minute": 16}
